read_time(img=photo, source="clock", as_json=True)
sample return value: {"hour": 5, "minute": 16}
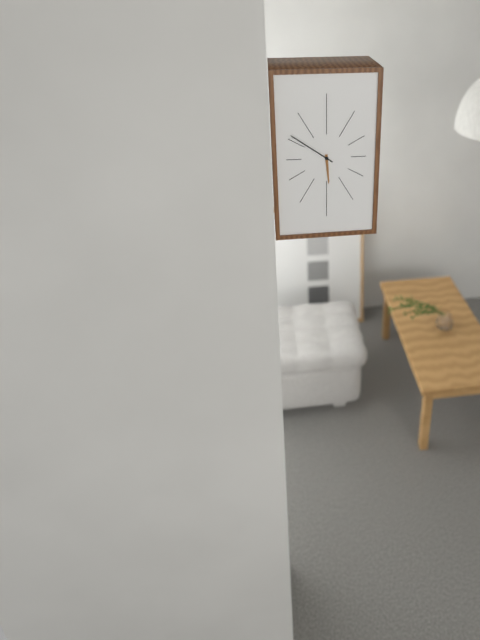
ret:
{"hour": 5, "minute": 51}
